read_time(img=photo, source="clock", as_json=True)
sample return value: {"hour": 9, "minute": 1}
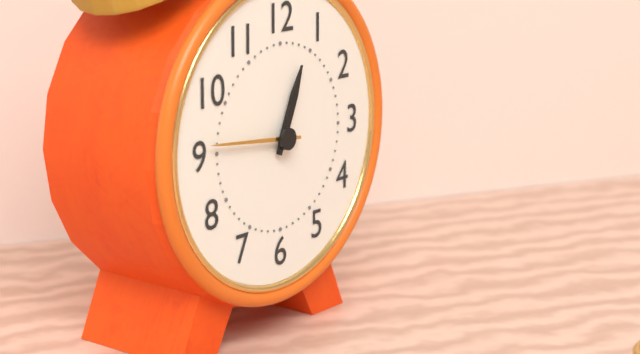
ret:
{"hour": 12, "minute": 46}
